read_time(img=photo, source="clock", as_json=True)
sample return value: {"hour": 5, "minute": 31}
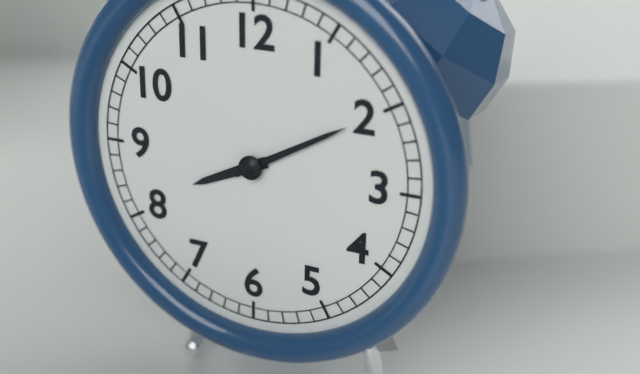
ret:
{"hour": 8, "minute": 10}
